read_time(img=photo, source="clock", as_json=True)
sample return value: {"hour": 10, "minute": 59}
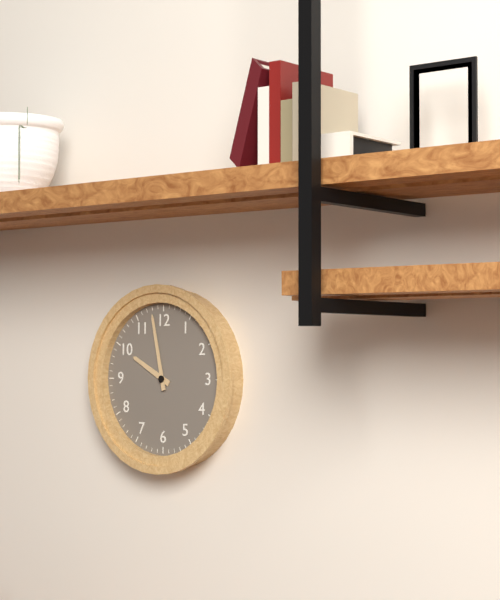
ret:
{"hour": 9, "minute": 58}
